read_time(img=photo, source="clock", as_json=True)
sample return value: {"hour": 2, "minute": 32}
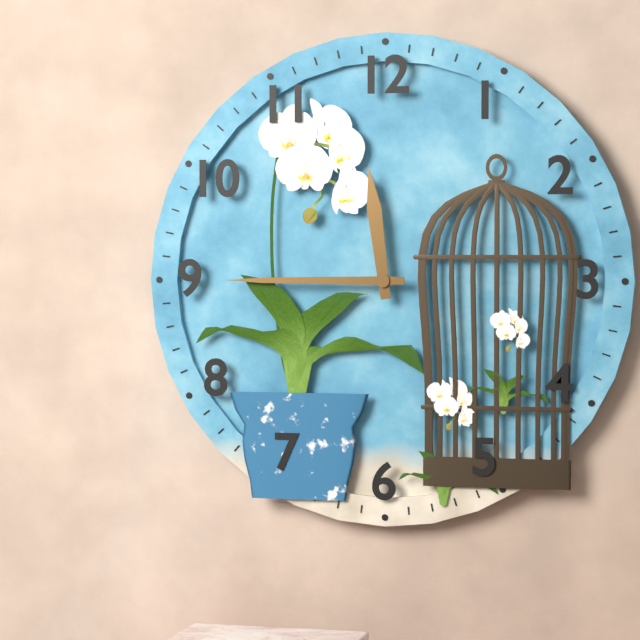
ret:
{"hour": 11, "minute": 45}
